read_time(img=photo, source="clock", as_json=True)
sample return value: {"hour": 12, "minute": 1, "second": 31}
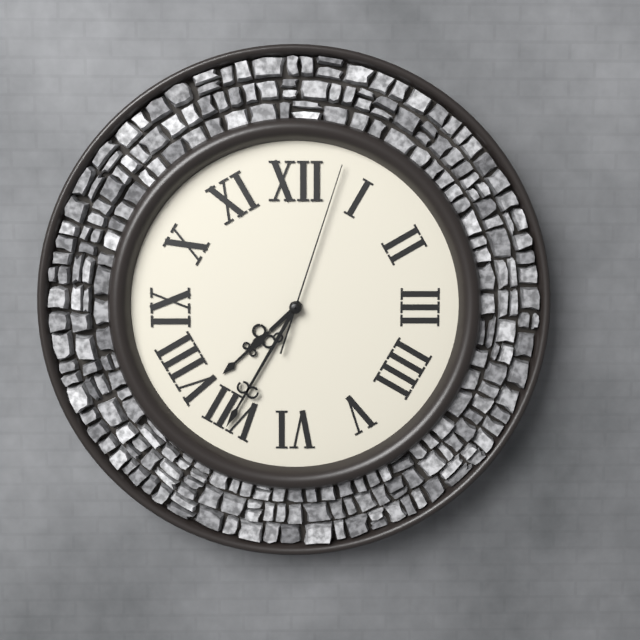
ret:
{"hour": 7, "minute": 35, "second": 3}
